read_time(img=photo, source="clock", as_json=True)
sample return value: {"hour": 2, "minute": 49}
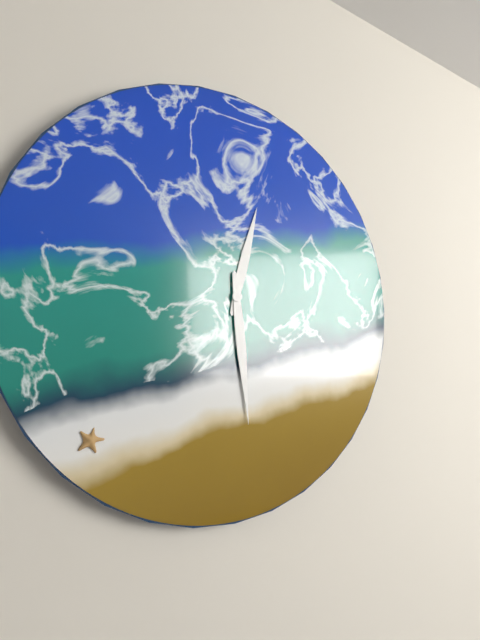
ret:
{"hour": 12, "minute": 29}
